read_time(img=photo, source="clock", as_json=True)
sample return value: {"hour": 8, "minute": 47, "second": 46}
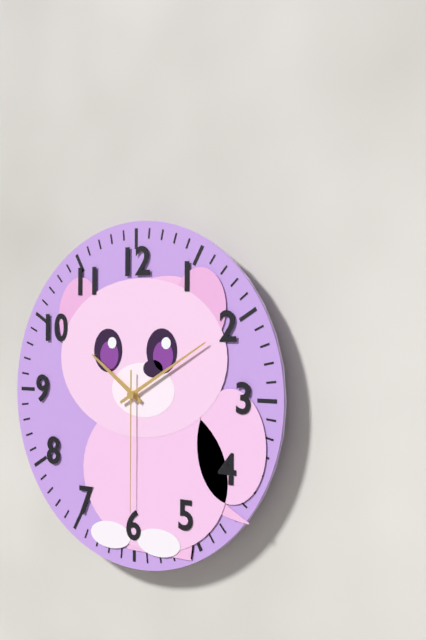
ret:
{"hour": 10, "minute": 10, "second": 30}
